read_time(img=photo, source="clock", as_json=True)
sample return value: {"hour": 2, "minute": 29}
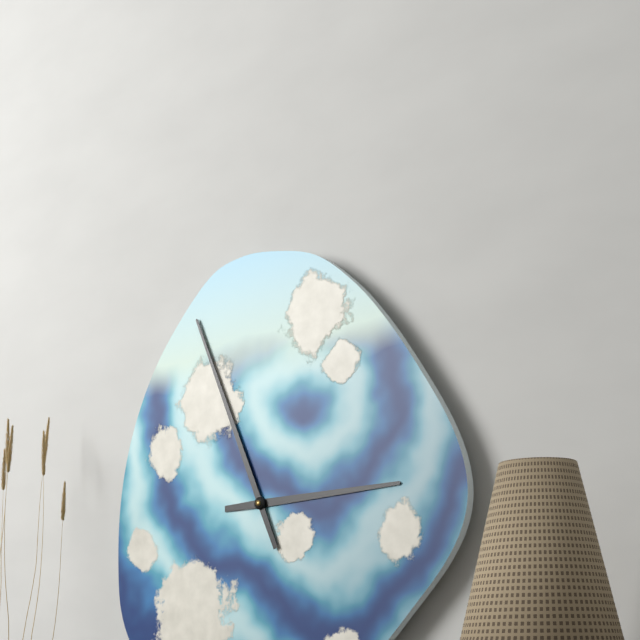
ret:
{"hour": 2, "minute": 56}
